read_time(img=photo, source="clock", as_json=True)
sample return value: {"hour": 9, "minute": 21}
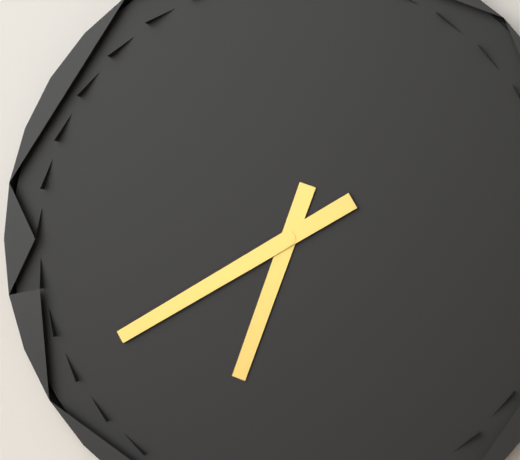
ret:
{"hour": 6, "minute": 40}
